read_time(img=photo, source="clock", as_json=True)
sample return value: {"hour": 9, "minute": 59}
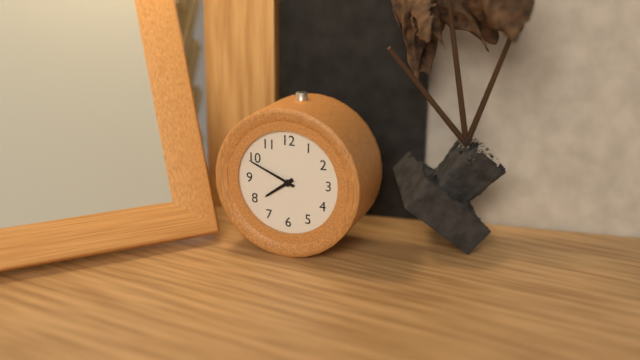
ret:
{"hour": 7, "minute": 49}
